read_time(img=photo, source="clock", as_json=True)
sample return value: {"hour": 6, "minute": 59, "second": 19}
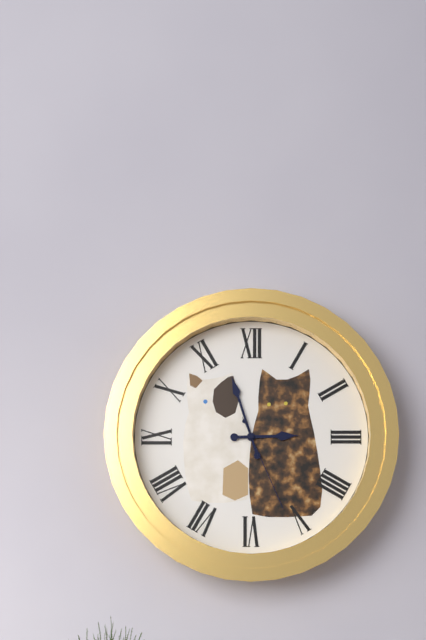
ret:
{"hour": 2, "minute": 57, "second": 26}
